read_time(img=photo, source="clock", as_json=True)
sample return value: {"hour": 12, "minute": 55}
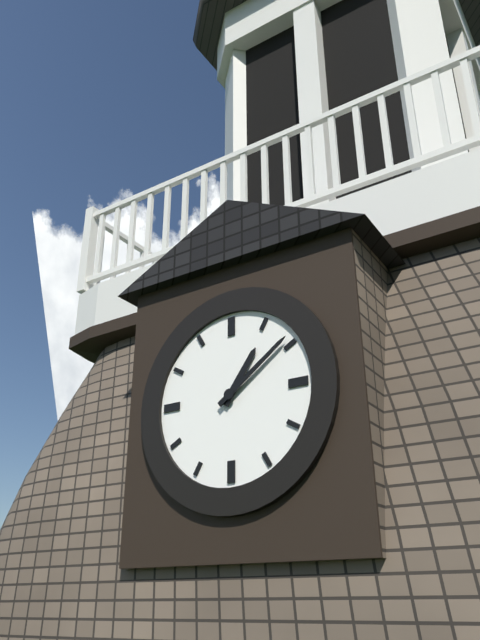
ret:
{"hour": 1, "minute": 9}
